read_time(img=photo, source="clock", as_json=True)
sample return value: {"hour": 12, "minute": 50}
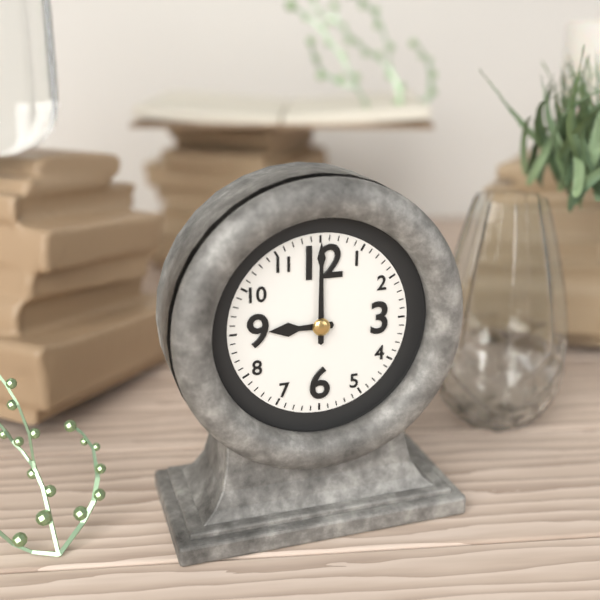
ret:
{"hour": 9, "minute": 0}
